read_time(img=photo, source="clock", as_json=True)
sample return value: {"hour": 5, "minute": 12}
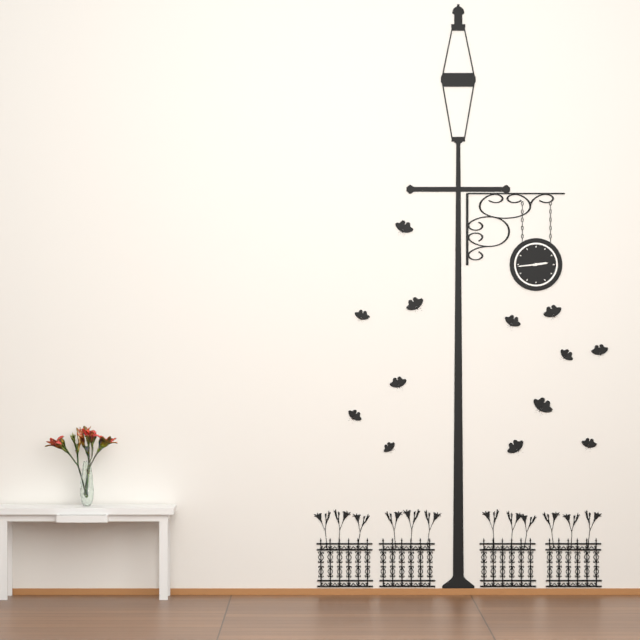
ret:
{"hour": 2, "minute": 44}
